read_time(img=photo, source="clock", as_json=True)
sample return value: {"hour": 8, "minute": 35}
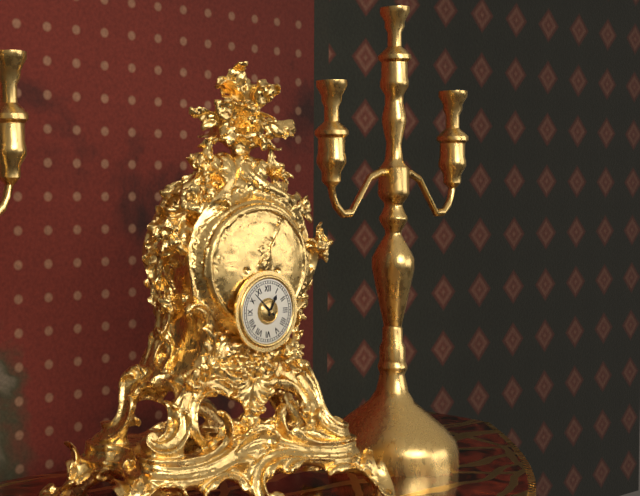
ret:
{"hour": 12, "minute": 52}
